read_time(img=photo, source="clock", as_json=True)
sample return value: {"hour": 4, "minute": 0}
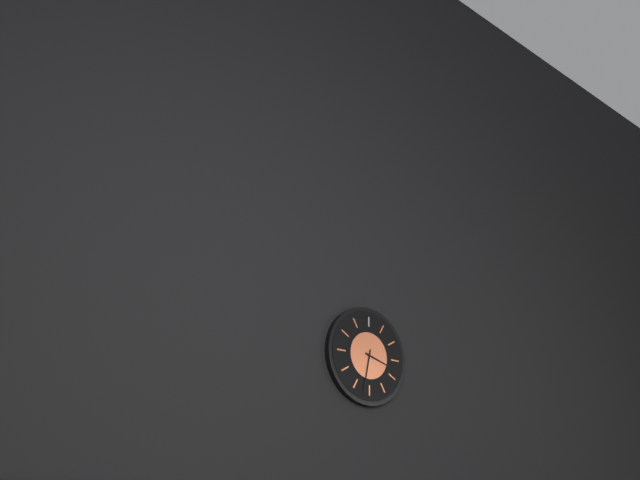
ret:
{"hour": 3, "minute": 32}
